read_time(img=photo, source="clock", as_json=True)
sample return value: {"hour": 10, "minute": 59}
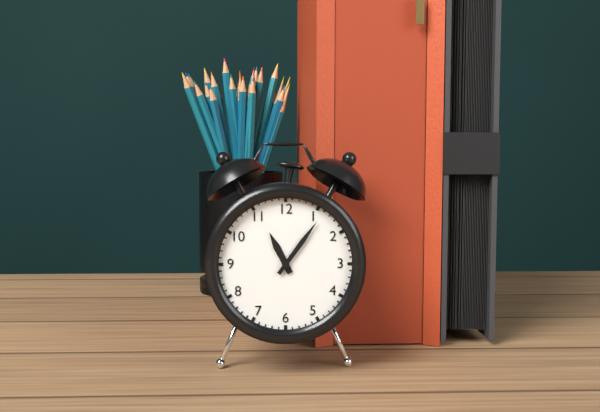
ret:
{"hour": 11, "minute": 6}
